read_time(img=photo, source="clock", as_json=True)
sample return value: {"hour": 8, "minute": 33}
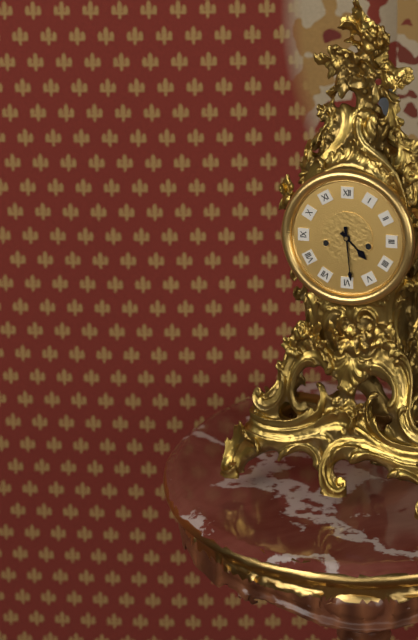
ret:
{"hour": 4, "minute": 29}
